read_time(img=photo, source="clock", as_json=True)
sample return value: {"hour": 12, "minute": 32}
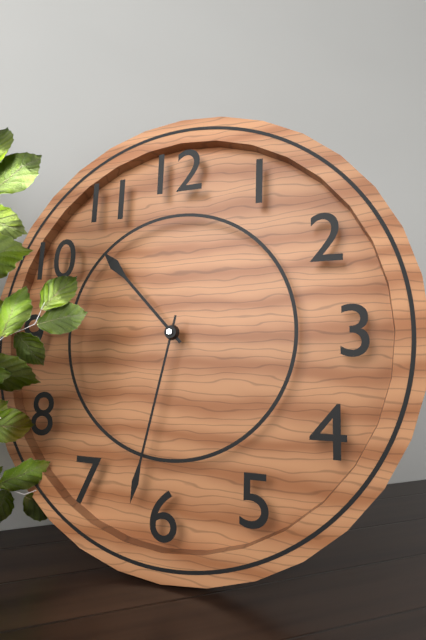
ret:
{"hour": 10, "minute": 32}
